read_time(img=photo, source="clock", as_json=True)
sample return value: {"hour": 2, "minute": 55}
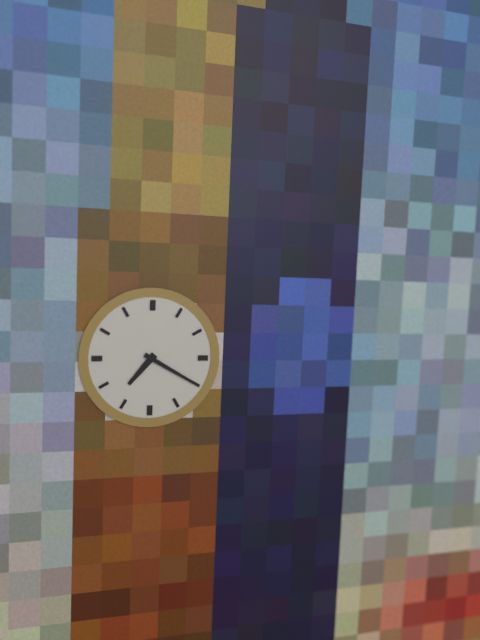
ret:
{"hour": 7, "minute": 20}
